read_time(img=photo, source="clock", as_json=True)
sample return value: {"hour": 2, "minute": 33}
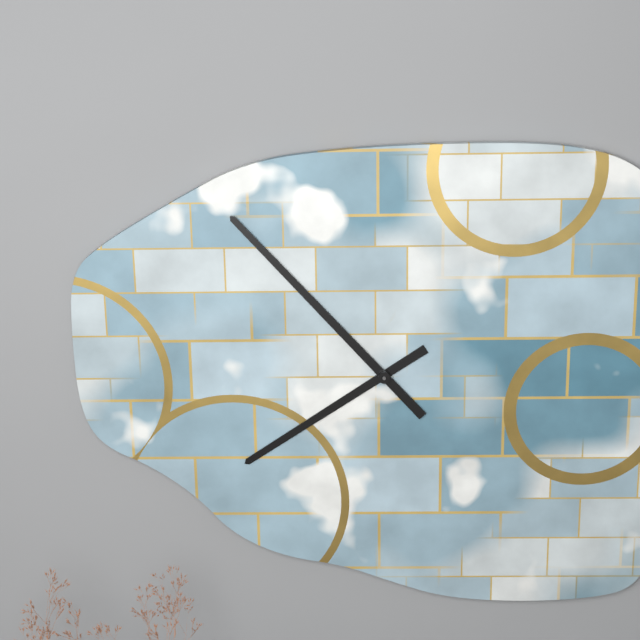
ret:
{"hour": 7, "minute": 53}
